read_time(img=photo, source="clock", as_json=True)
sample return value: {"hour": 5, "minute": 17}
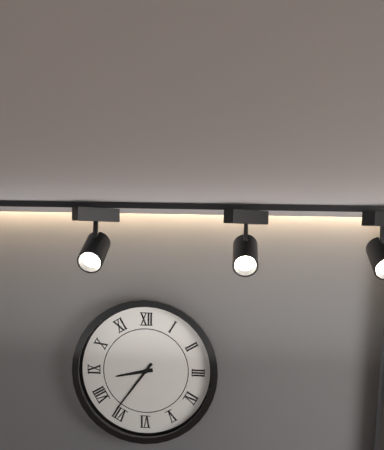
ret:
{"hour": 8, "minute": 36}
